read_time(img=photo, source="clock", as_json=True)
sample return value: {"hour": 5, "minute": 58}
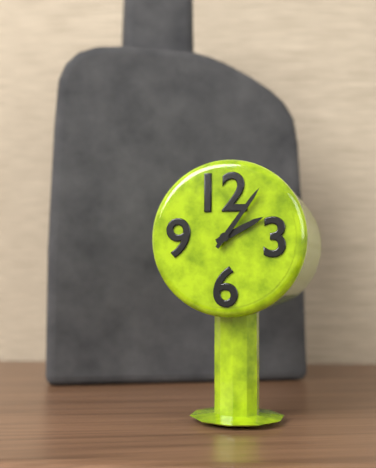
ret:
{"hour": 2, "minute": 6}
